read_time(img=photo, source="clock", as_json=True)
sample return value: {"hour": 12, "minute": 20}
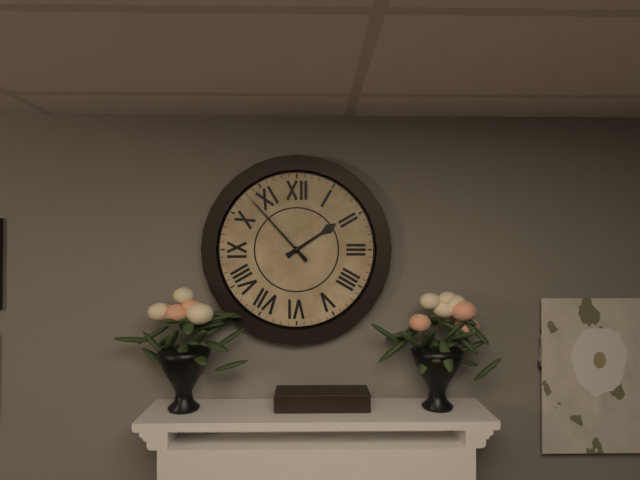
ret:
{"hour": 1, "minute": 53}
